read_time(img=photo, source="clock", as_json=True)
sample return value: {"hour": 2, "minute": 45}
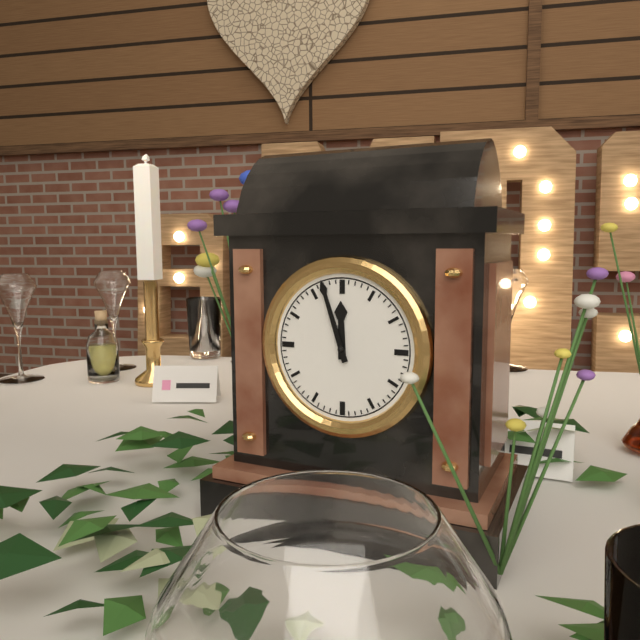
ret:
{"hour": 11, "minute": 57}
